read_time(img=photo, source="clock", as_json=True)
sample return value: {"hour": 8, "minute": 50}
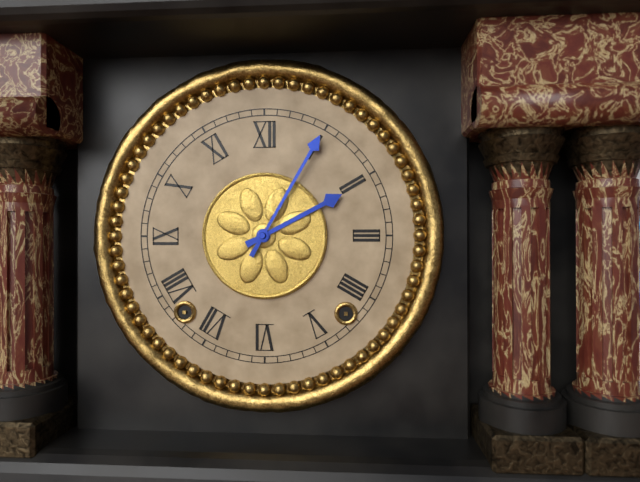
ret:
{"hour": 2, "minute": 5}
